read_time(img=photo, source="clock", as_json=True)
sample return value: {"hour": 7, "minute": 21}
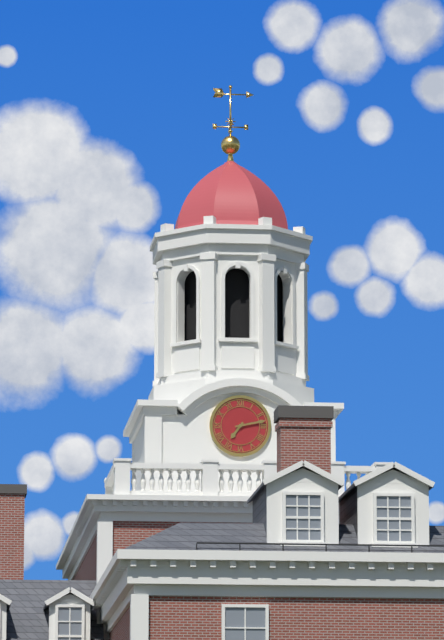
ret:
{"hour": 7, "minute": 13}
